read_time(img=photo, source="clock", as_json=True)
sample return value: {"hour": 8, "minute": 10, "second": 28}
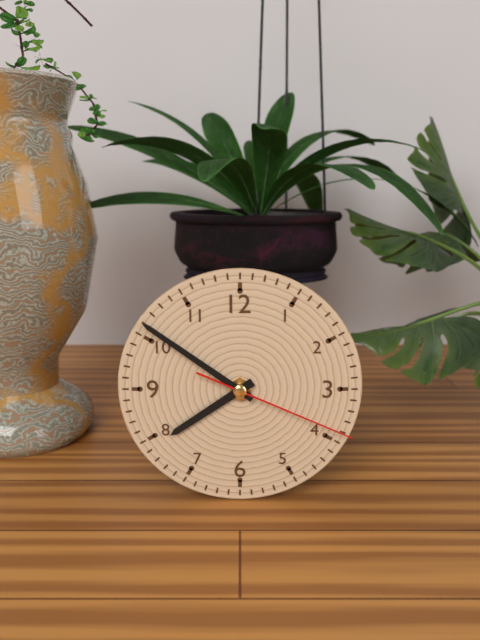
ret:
{"hour": 7, "minute": 51, "second": 19}
